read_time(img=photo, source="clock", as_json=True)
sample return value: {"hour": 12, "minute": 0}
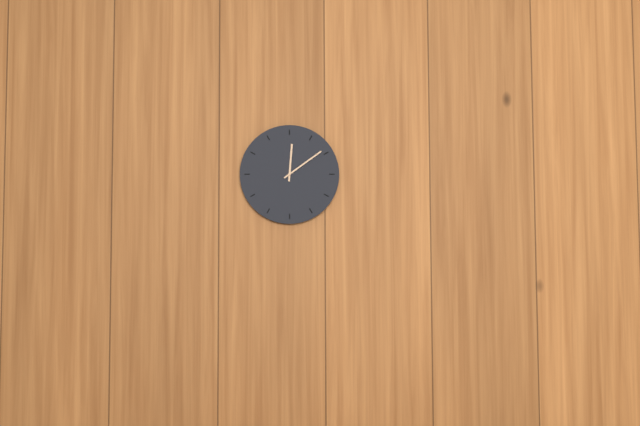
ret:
{"hour": 12, "minute": 9}
